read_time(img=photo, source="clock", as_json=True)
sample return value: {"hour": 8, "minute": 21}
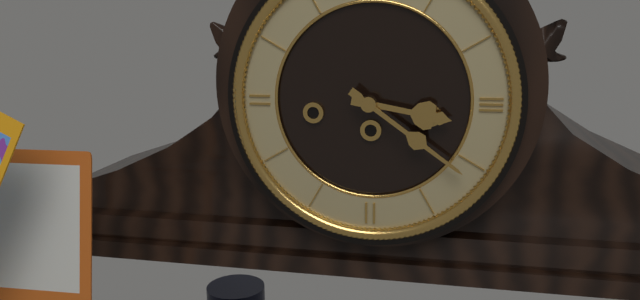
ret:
{"hour": 3, "minute": 21}
